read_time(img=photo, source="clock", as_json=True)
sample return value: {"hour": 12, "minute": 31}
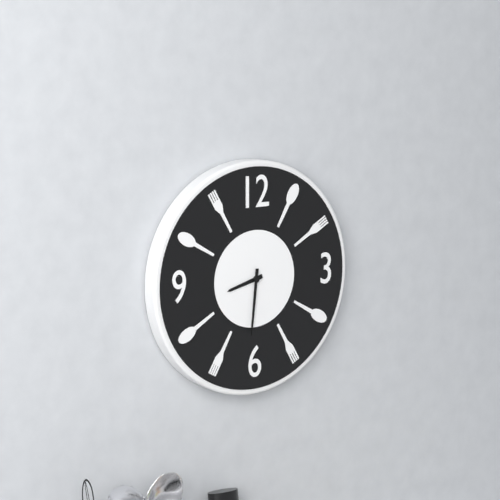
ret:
{"hour": 8, "minute": 31}
